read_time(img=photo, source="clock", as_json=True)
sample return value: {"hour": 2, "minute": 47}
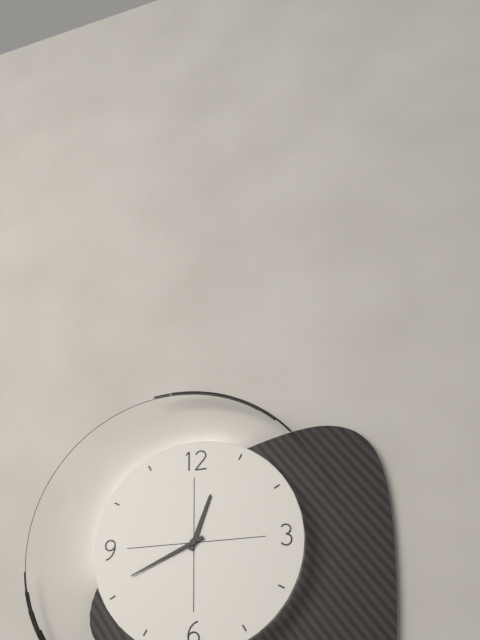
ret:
{"hour": 12, "minute": 41}
